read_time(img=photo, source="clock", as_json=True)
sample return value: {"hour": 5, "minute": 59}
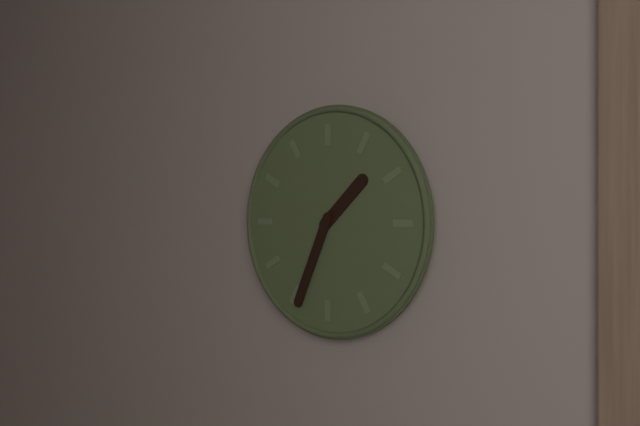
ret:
{"hour": 1, "minute": 34}
